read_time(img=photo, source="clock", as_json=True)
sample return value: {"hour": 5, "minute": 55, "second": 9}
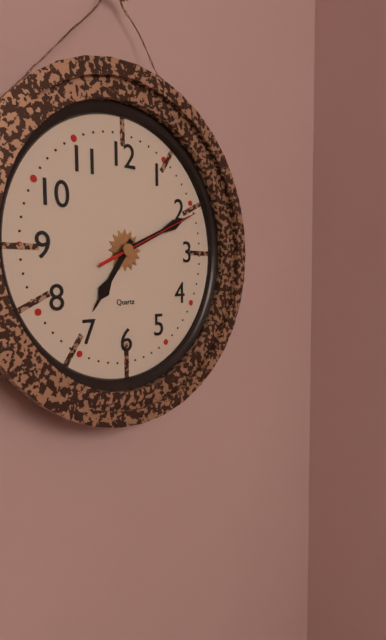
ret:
{"hour": 7, "minute": 11, "second": 11}
